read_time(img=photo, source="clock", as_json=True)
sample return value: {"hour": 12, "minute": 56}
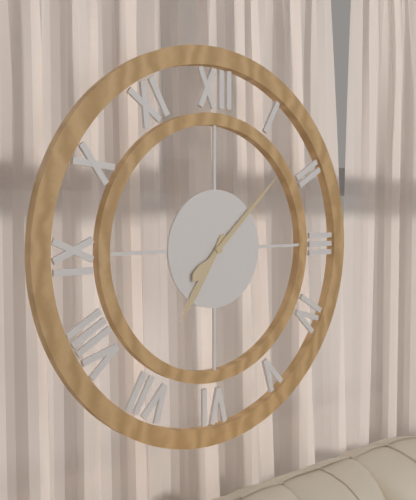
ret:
{"hour": 7, "minute": 8}
